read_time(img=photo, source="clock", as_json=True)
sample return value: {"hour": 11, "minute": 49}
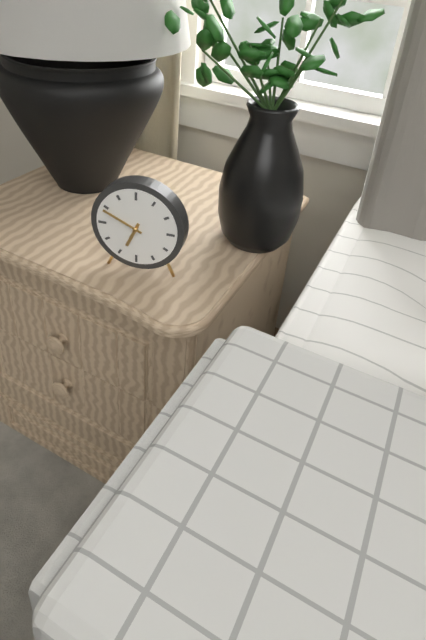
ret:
{"hour": 6, "minute": 49}
